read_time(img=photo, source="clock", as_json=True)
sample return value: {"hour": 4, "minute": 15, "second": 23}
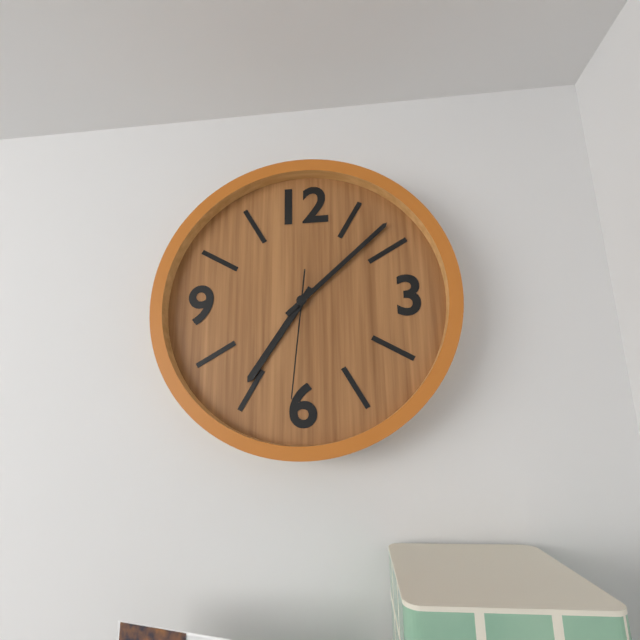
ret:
{"hour": 7, "minute": 8, "second": 31}
